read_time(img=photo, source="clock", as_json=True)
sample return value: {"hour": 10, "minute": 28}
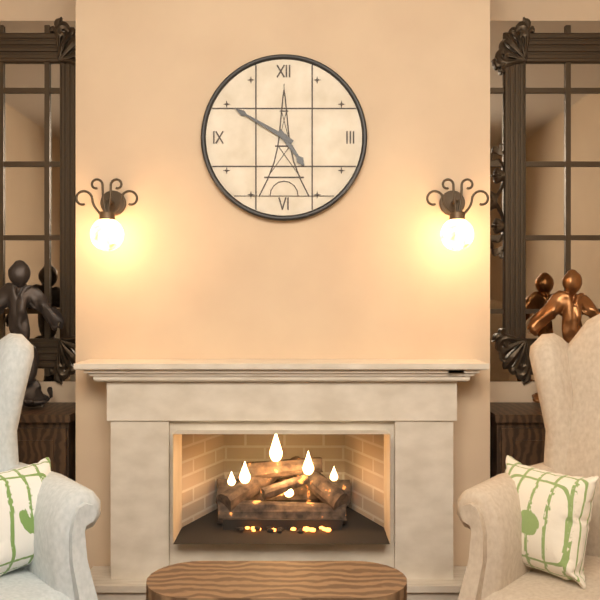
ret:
{"hour": 4, "minute": 50}
